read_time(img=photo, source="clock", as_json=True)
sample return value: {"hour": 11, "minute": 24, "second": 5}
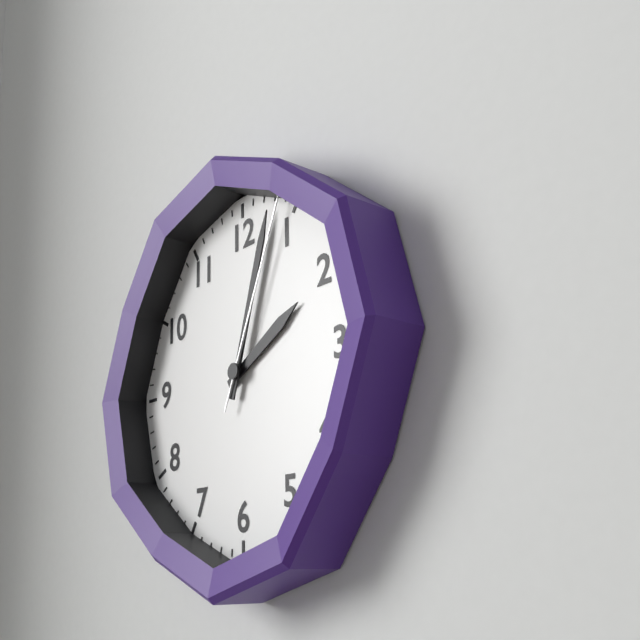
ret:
{"hour": 2, "minute": 3, "second": 4}
